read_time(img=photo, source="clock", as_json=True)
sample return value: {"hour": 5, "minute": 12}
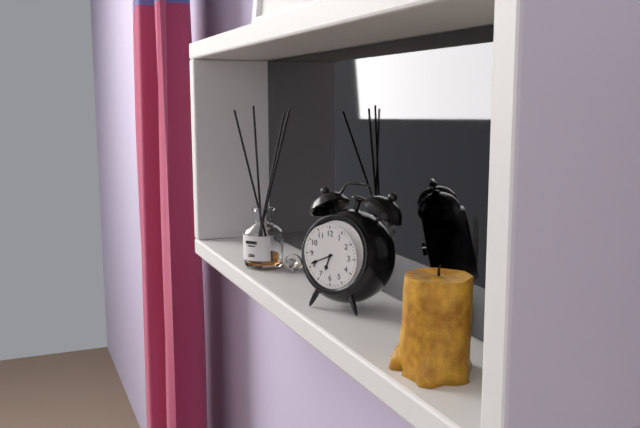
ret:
{"hour": 6, "minute": 41}
